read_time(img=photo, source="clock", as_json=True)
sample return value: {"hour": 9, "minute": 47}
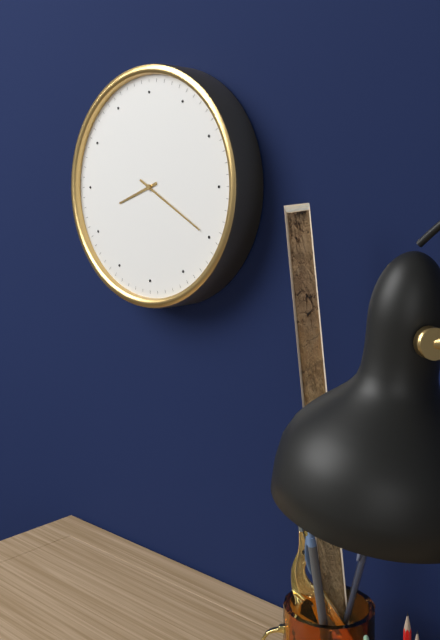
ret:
{"hour": 8, "minute": 20}
